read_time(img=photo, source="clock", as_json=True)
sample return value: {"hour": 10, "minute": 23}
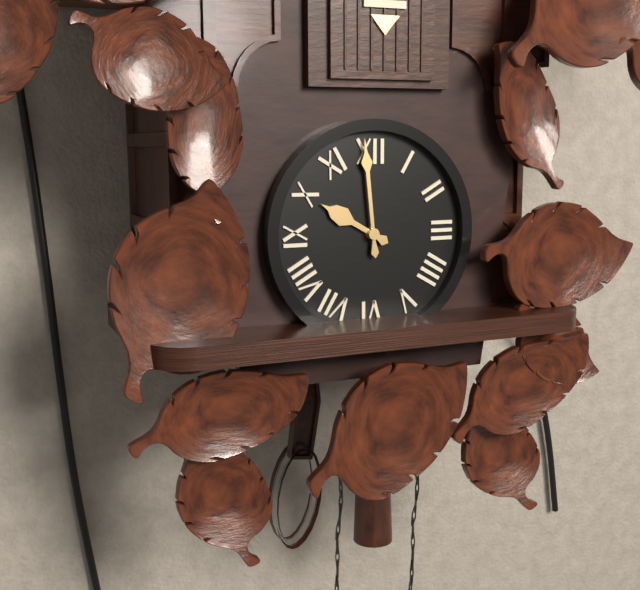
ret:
{"hour": 9, "minute": 59}
